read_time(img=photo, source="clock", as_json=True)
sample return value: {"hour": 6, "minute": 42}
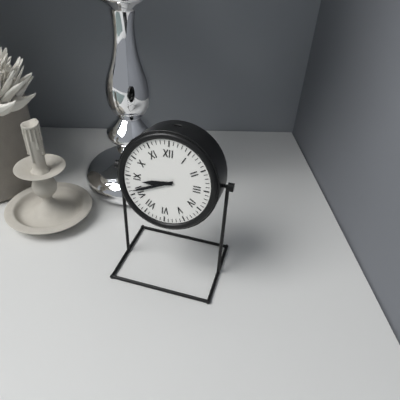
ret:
{"hour": 8, "minute": 41}
